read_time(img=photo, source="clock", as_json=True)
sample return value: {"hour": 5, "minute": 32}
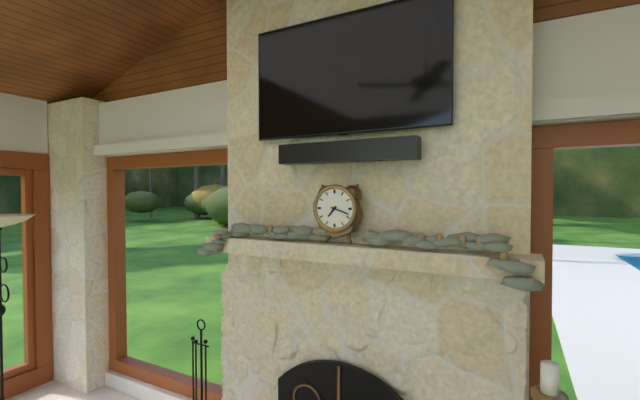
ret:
{"hour": 7, "minute": 18}
